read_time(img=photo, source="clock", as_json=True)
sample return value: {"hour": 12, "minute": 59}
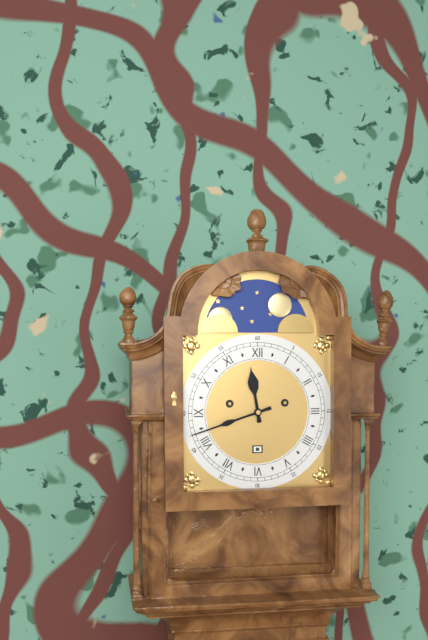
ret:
{"hour": 11, "minute": 42}
